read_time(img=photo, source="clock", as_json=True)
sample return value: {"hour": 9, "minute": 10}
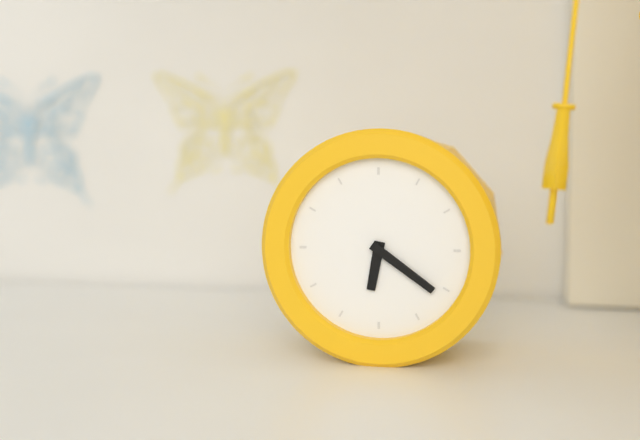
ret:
{"hour": 6, "minute": 21}
